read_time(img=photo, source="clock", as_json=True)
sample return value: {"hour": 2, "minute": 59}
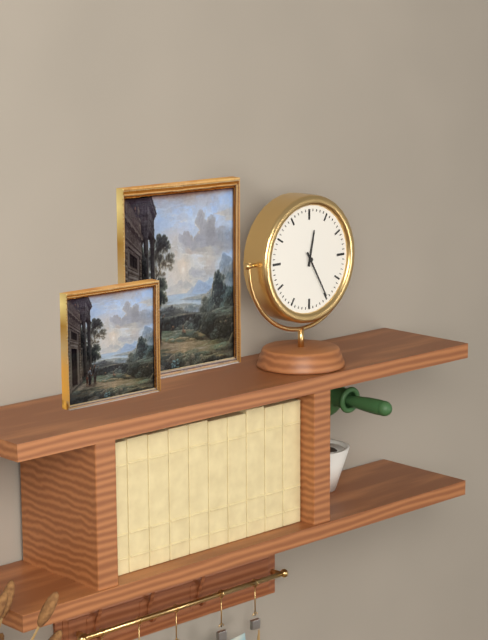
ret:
{"hour": 12, "minute": 25}
